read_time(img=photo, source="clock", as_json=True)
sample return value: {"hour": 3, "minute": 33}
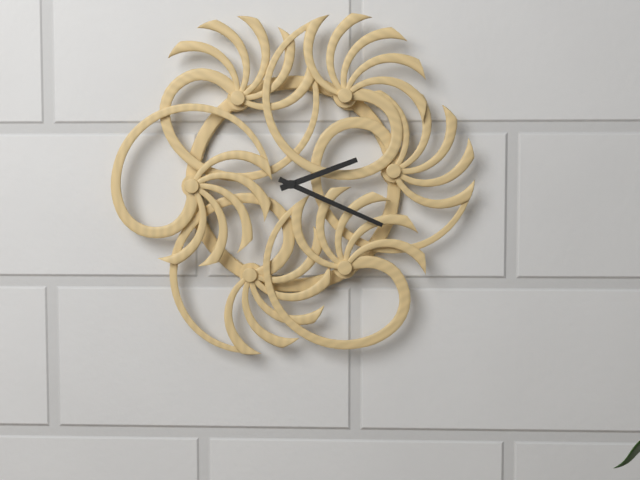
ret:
{"hour": 2, "minute": 19}
